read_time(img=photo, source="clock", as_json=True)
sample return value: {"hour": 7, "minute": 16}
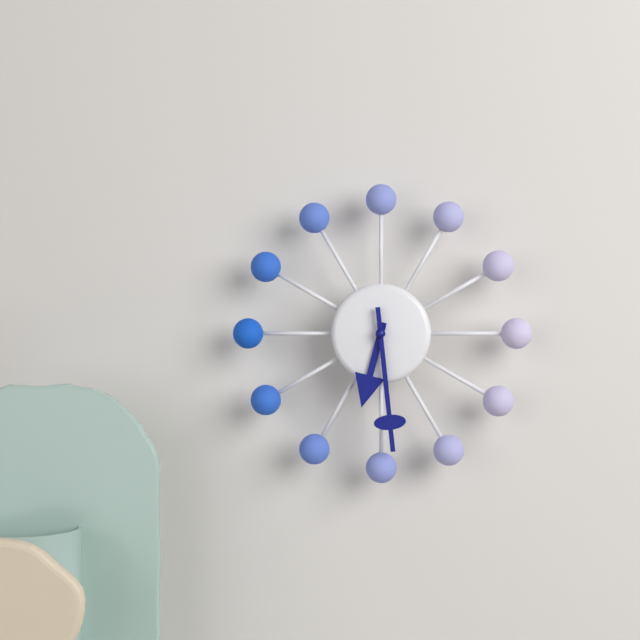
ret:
{"hour": 6, "minute": 29}
